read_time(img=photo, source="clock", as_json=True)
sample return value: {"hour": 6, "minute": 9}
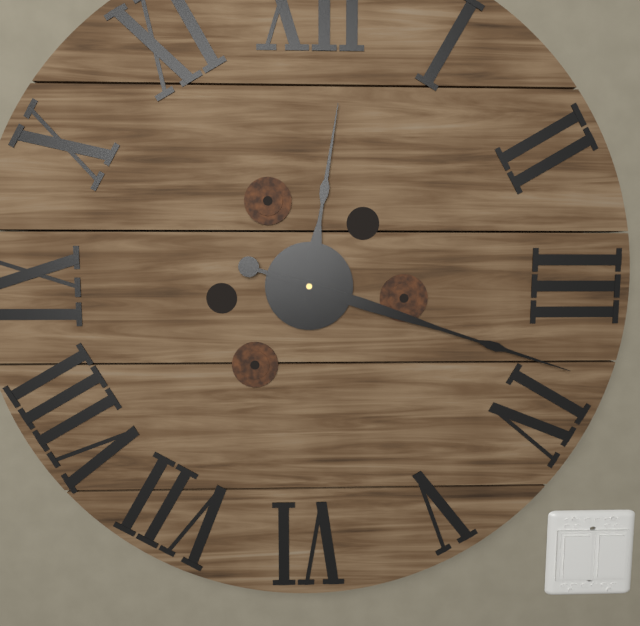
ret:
{"hour": 12, "minute": 18}
